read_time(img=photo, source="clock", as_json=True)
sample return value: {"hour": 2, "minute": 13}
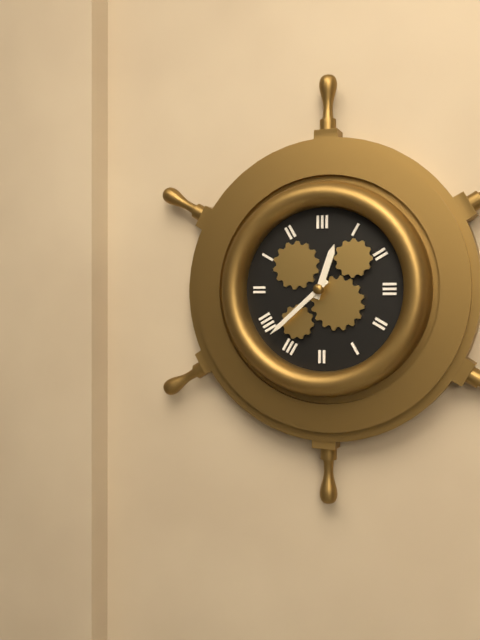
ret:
{"hour": 12, "minute": 38}
